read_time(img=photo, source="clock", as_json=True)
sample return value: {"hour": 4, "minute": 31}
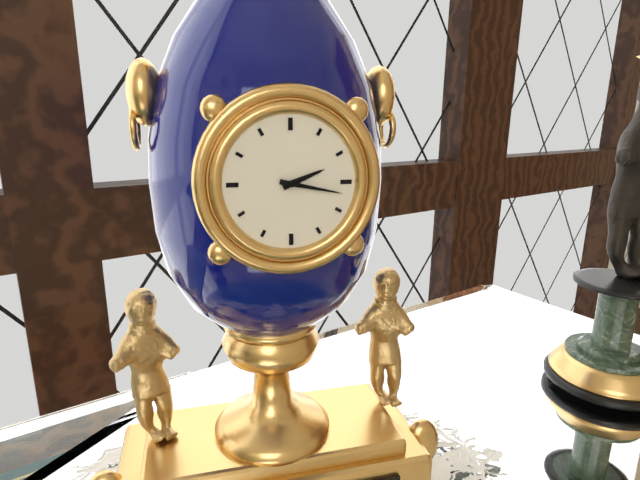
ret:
{"hour": 2, "minute": 17}
